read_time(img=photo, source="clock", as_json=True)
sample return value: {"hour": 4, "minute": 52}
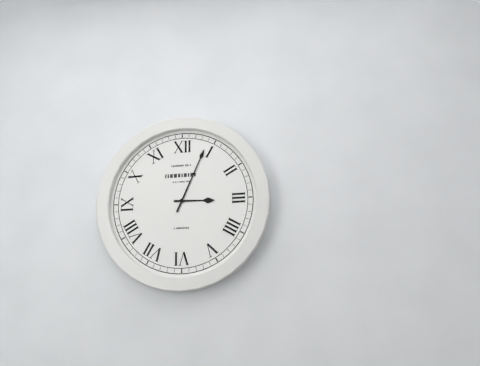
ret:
{"hour": 3, "minute": 4}
